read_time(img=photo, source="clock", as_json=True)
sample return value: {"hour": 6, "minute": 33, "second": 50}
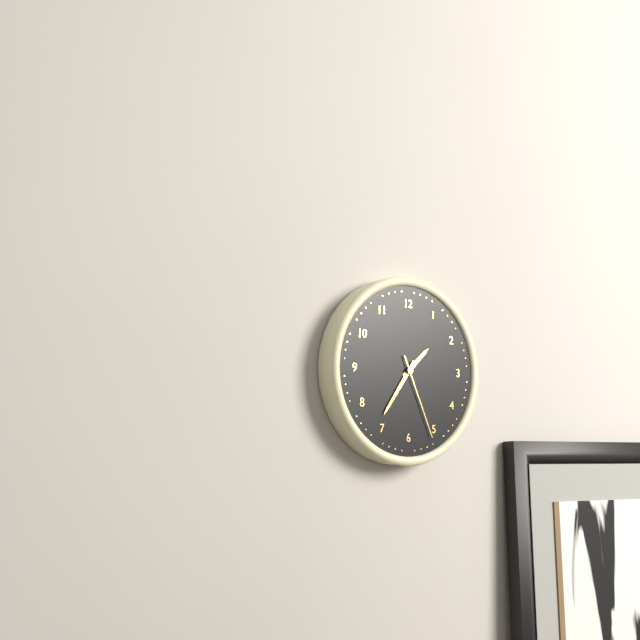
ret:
{"hour": 1, "minute": 36, "second": 26}
